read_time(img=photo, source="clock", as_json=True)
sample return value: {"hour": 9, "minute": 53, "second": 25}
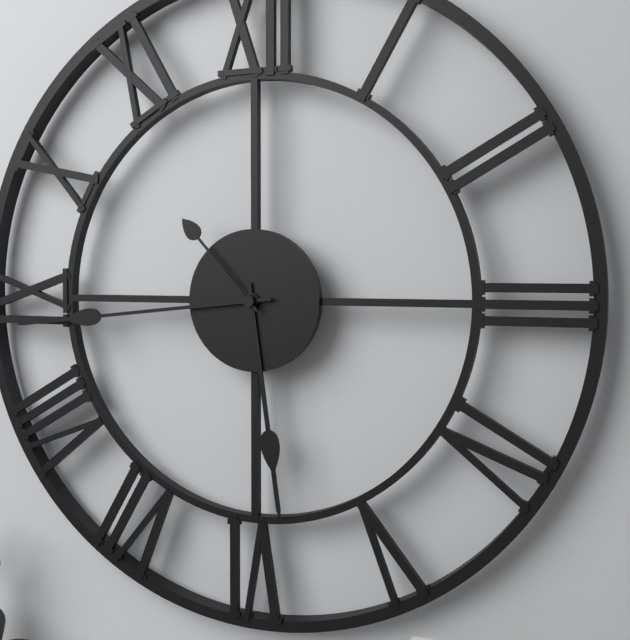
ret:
{"hour": 5, "minute": 44, "second": 53}
